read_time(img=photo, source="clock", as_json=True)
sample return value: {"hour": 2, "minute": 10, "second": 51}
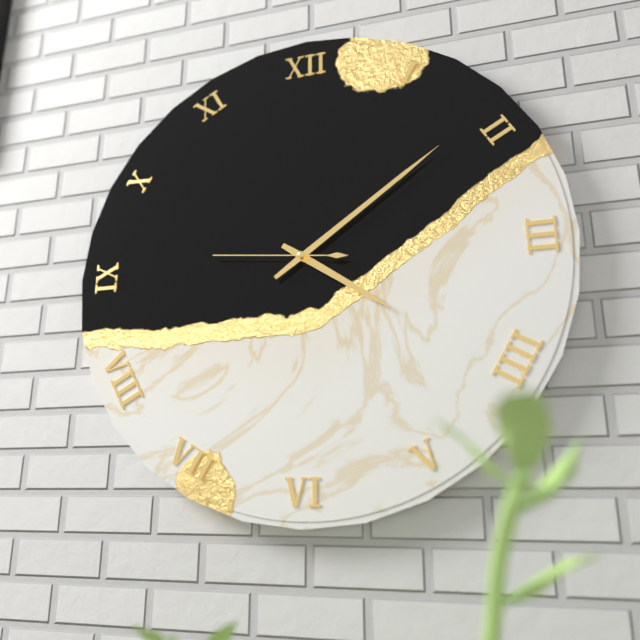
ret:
{"hour": 4, "minute": 9, "second": 46}
